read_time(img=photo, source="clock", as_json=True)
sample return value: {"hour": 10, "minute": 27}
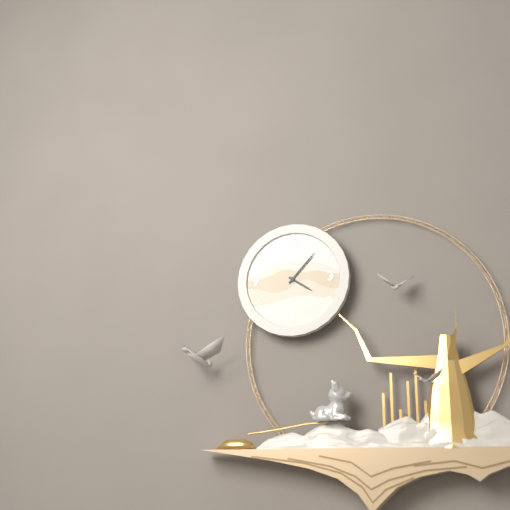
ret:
{"hour": 4, "minute": 7}
